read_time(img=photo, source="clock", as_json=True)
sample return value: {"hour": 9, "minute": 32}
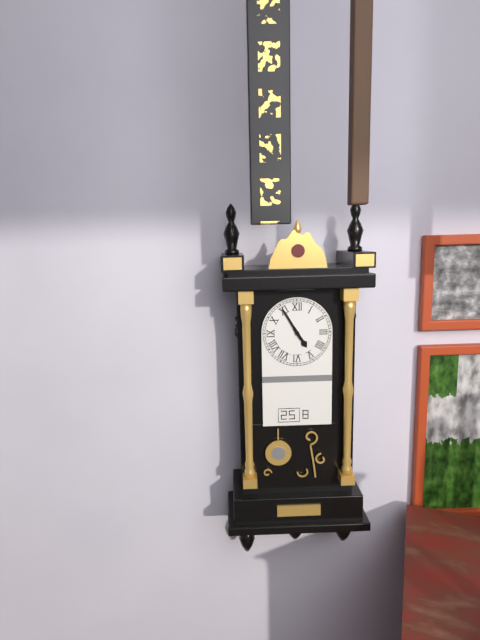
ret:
{"hour": 4, "minute": 55}
